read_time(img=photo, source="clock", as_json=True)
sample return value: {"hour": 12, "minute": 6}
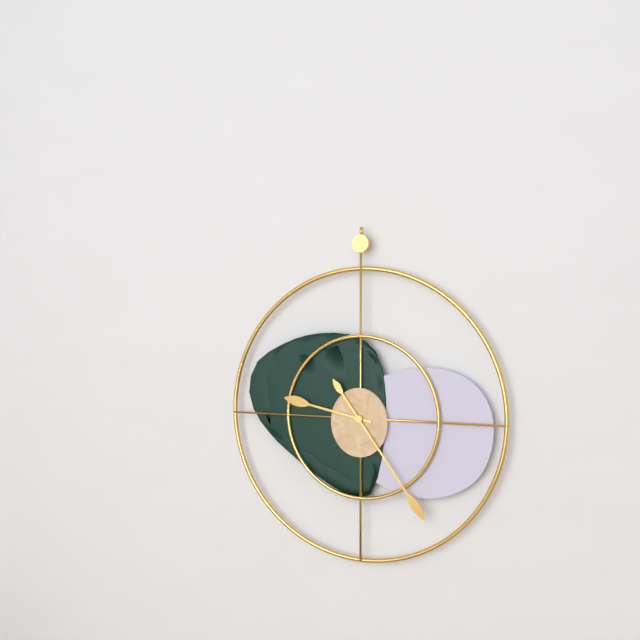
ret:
{"hour": 9, "minute": 24}
